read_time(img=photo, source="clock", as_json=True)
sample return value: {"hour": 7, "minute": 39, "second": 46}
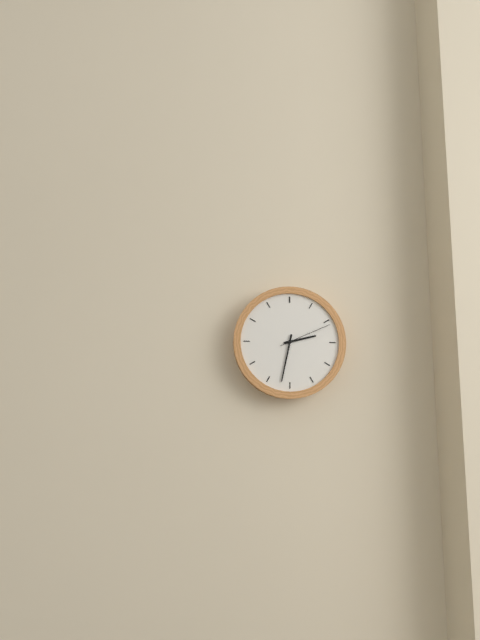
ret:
{"hour": 2, "minute": 32, "second": 11}
